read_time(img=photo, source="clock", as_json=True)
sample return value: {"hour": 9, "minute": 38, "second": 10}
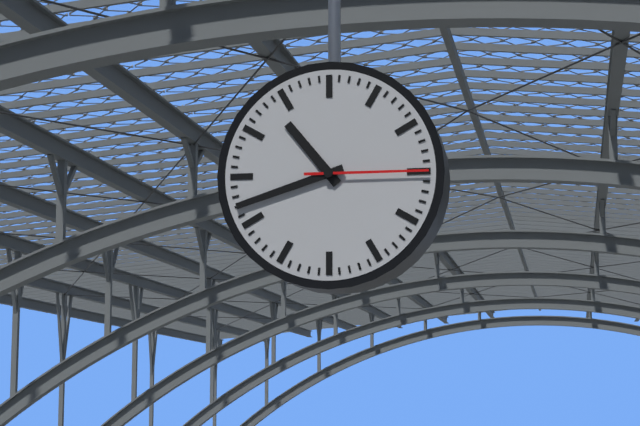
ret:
{"hour": 10, "minute": 42, "second": 15}
